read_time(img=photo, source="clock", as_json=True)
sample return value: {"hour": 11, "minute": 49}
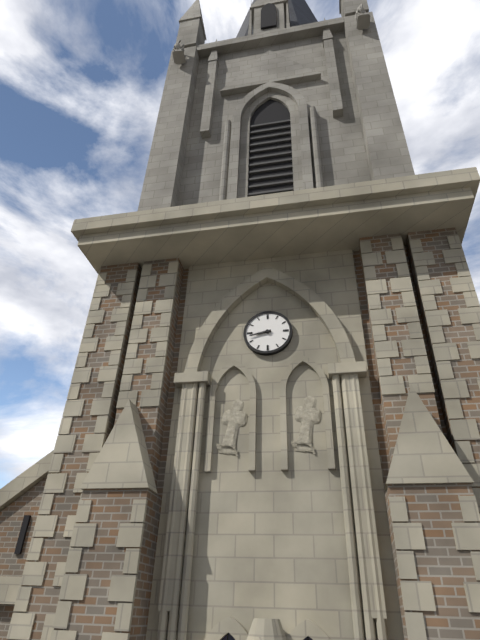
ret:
{"hour": 8, "minute": 43}
